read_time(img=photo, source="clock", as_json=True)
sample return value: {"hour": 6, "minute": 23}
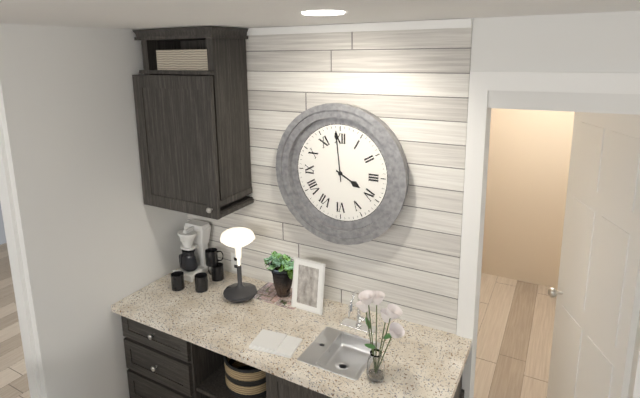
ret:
{"hour": 3, "minute": 59}
